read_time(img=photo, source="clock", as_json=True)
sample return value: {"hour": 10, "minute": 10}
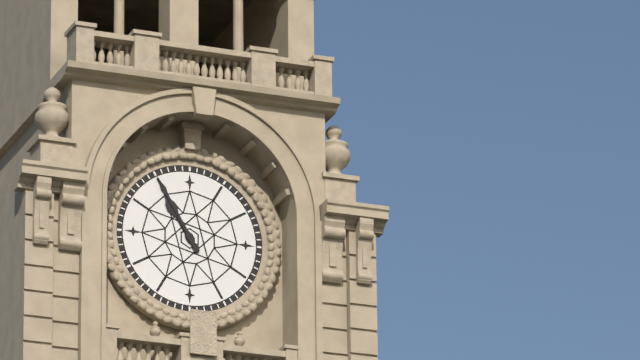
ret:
{"hour": 10, "minute": 55}
